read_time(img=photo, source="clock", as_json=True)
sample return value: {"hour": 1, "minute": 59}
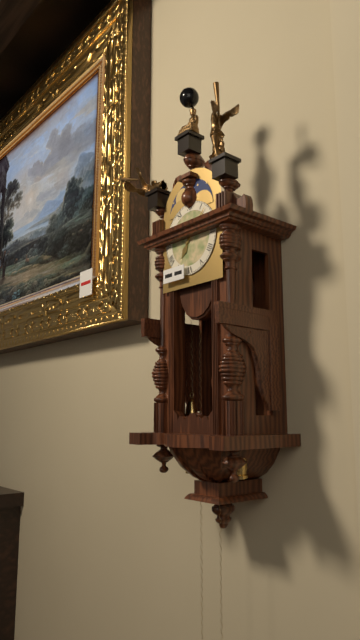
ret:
{"hour": 7, "minute": 7}
